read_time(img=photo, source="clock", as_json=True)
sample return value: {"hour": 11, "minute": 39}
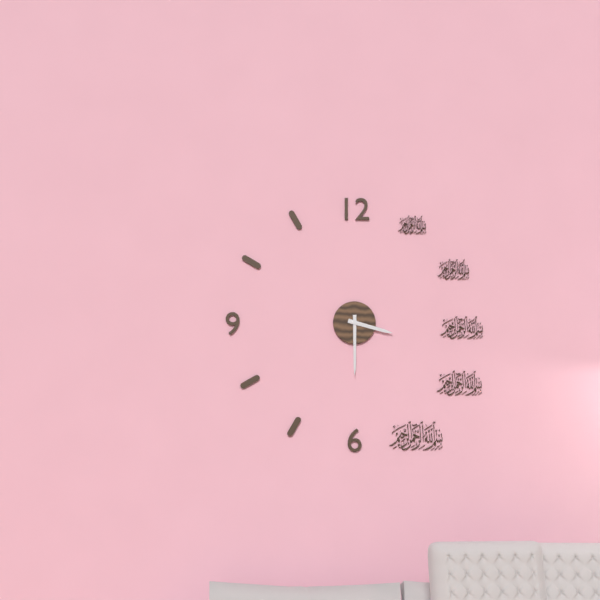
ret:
{"hour": 3, "minute": 30}
